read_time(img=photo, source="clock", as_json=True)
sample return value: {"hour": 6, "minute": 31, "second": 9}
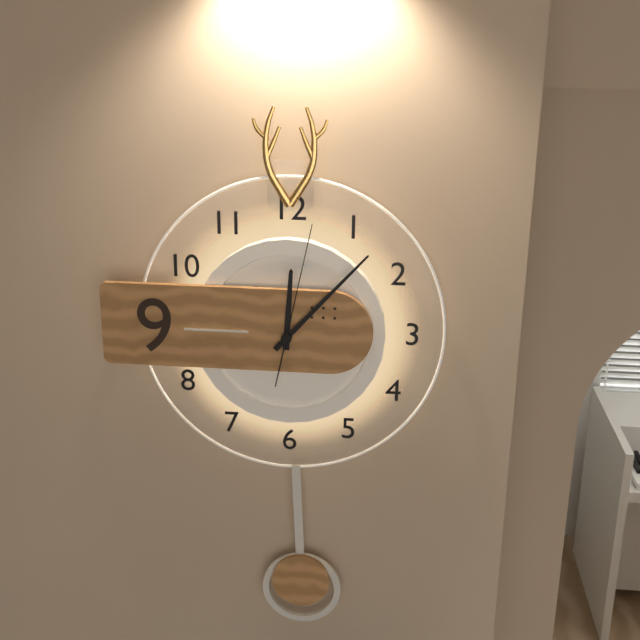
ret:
{"hour": 12, "minute": 7, "second": 2}
